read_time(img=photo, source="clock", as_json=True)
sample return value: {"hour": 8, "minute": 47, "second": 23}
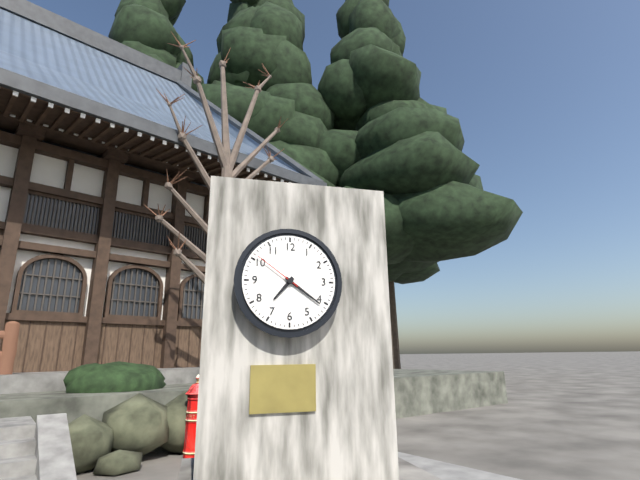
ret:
{"hour": 7, "minute": 21, "second": 51}
